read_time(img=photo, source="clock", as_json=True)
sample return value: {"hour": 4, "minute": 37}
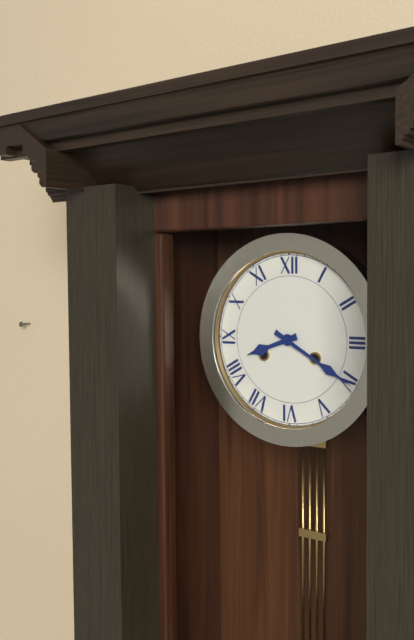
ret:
{"hour": 8, "minute": 20}
